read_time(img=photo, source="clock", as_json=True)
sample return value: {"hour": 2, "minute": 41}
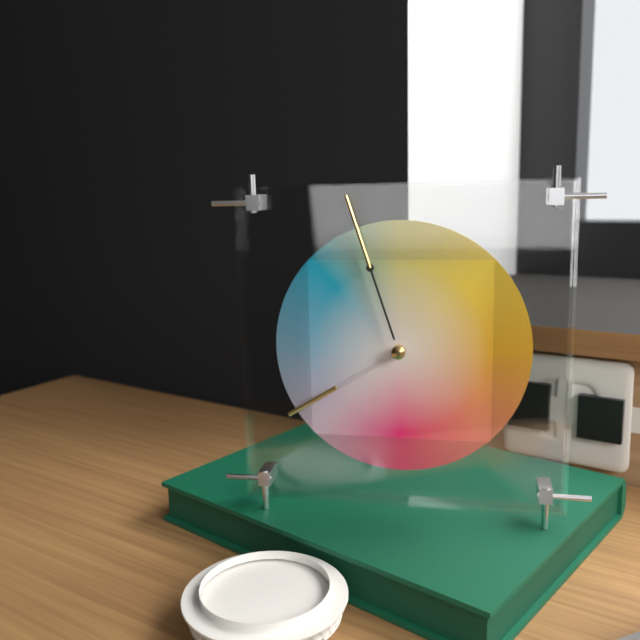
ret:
{"hour": 7, "minute": 57}
